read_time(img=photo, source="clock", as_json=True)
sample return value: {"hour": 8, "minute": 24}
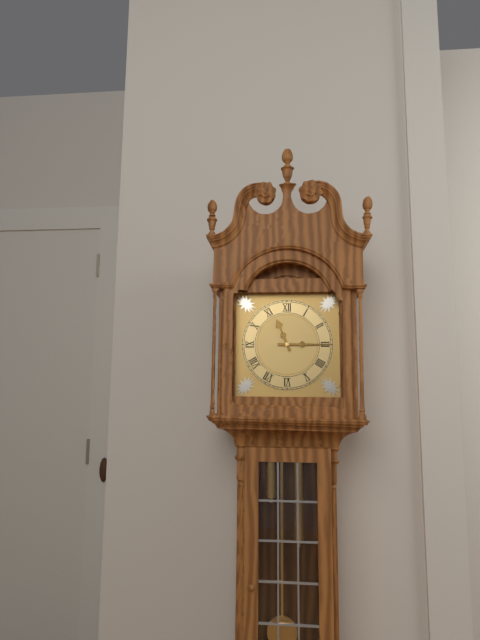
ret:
{"hour": 11, "minute": 15}
